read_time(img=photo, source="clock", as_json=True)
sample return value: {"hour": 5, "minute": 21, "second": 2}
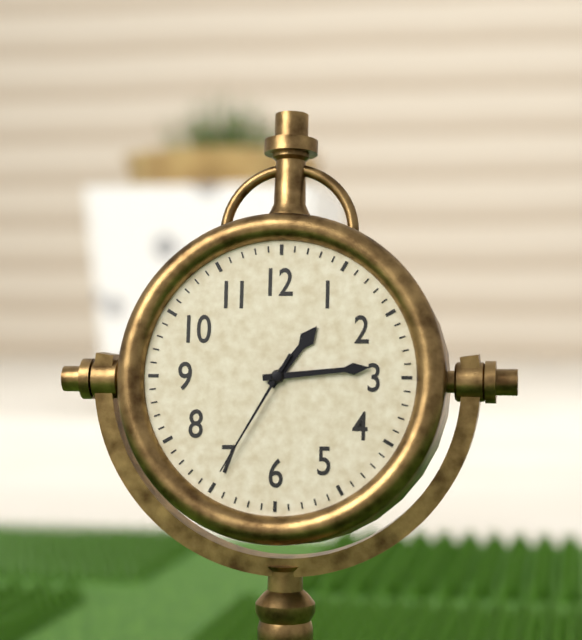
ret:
{"hour": 1, "minute": 14, "second": 35}
